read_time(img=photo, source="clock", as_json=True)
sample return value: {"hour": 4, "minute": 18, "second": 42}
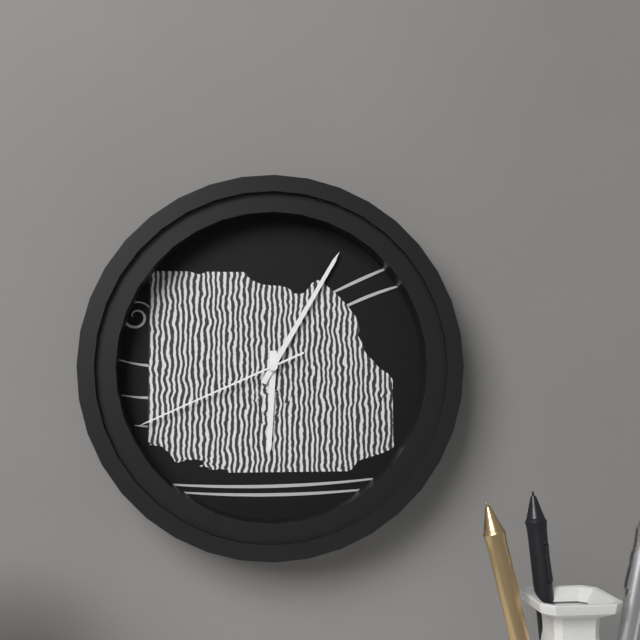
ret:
{"hour": 6, "minute": 5, "second": 41}
